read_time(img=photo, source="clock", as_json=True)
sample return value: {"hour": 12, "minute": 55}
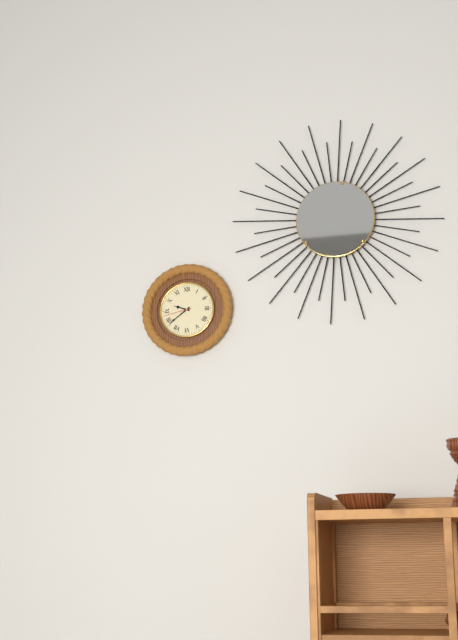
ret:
{"hour": 9, "minute": 39}
